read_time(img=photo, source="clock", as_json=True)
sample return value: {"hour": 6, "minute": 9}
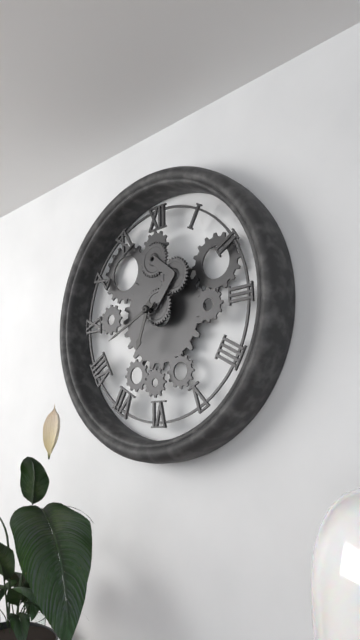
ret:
{"hour": 6, "minute": 41}
